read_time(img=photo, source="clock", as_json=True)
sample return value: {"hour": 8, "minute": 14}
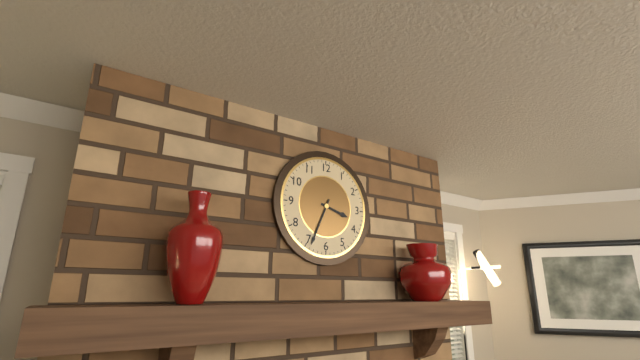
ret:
{"hour": 3, "minute": 34}
